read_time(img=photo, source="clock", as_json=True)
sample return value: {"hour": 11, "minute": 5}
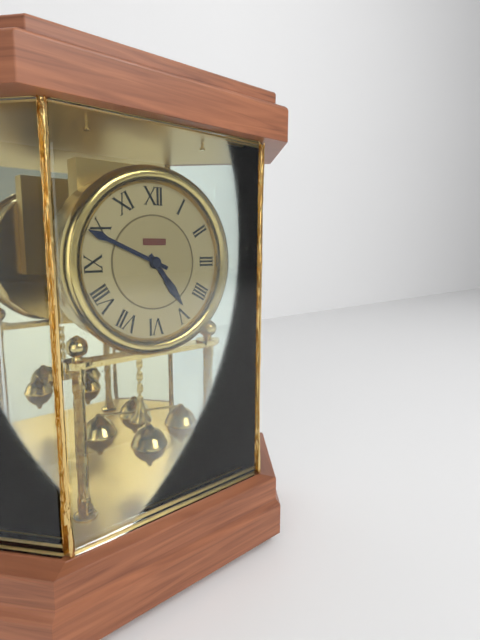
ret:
{"hour": 4, "minute": 49}
